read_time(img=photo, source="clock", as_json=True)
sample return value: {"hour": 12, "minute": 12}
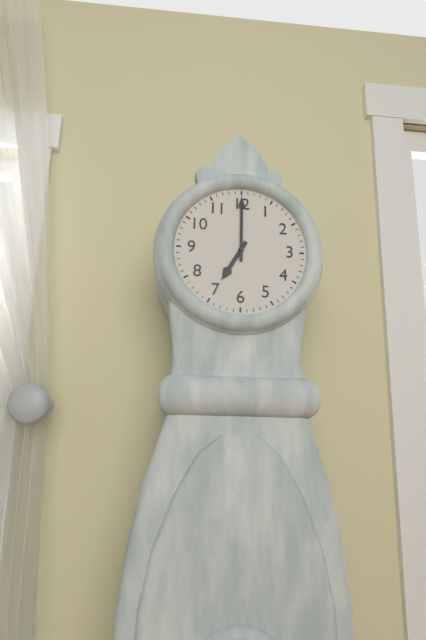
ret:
{"hour": 7, "minute": 0}
